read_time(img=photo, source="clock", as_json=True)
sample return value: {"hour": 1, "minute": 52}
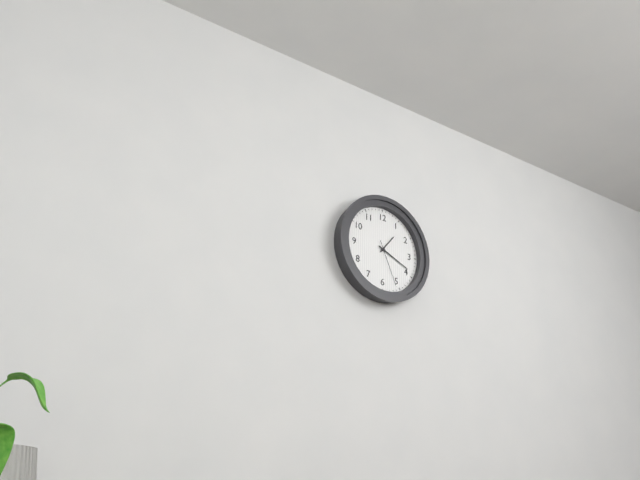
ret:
{"hour": 1, "minute": 19}
